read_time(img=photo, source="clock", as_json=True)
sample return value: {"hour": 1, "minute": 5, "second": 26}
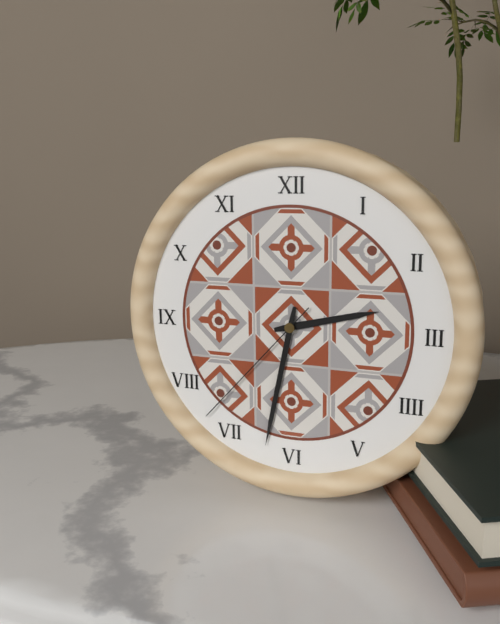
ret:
{"hour": 2, "minute": 32, "second": 37}
